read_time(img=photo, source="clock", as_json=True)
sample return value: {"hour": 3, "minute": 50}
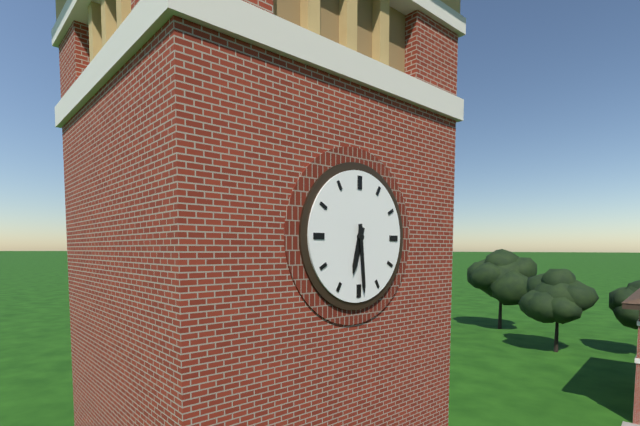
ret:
{"hour": 6, "minute": 29}
